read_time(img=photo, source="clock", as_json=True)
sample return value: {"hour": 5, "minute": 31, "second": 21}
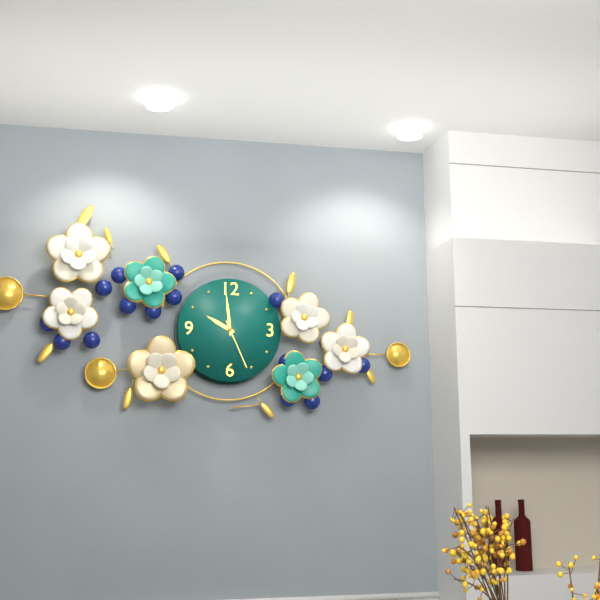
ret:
{"hour": 9, "minute": 59, "second": 26}
